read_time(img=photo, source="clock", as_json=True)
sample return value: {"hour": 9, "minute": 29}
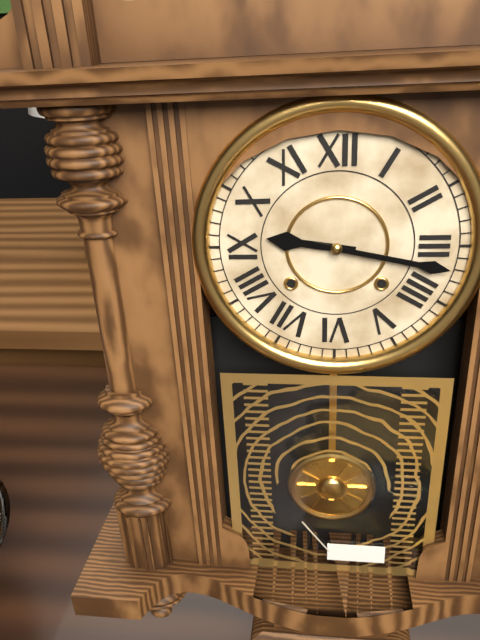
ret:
{"hour": 9, "minute": 17}
